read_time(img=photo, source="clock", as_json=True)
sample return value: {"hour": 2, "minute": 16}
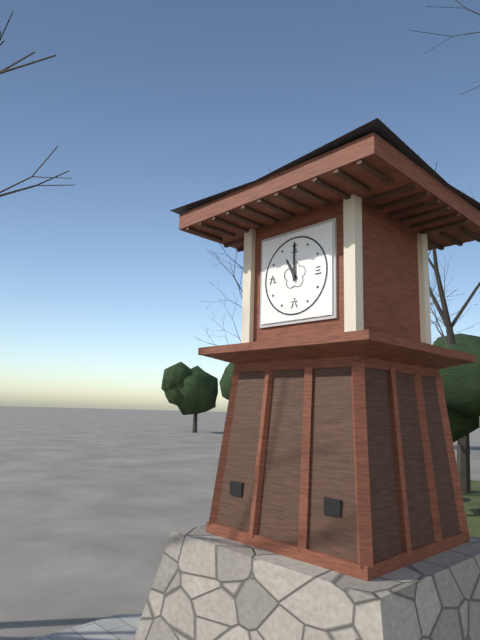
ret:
{"hour": 11, "minute": 0}
